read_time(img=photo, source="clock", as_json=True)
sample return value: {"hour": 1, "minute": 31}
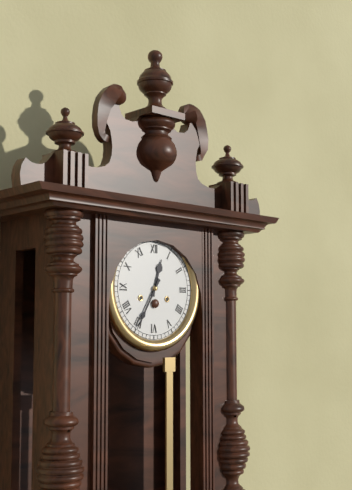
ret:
{"hour": 12, "minute": 35}
